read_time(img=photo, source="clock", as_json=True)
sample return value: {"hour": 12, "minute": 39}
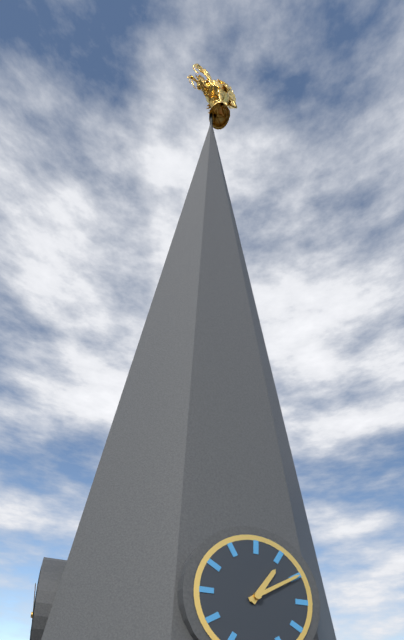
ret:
{"hour": 1, "minute": 10}
